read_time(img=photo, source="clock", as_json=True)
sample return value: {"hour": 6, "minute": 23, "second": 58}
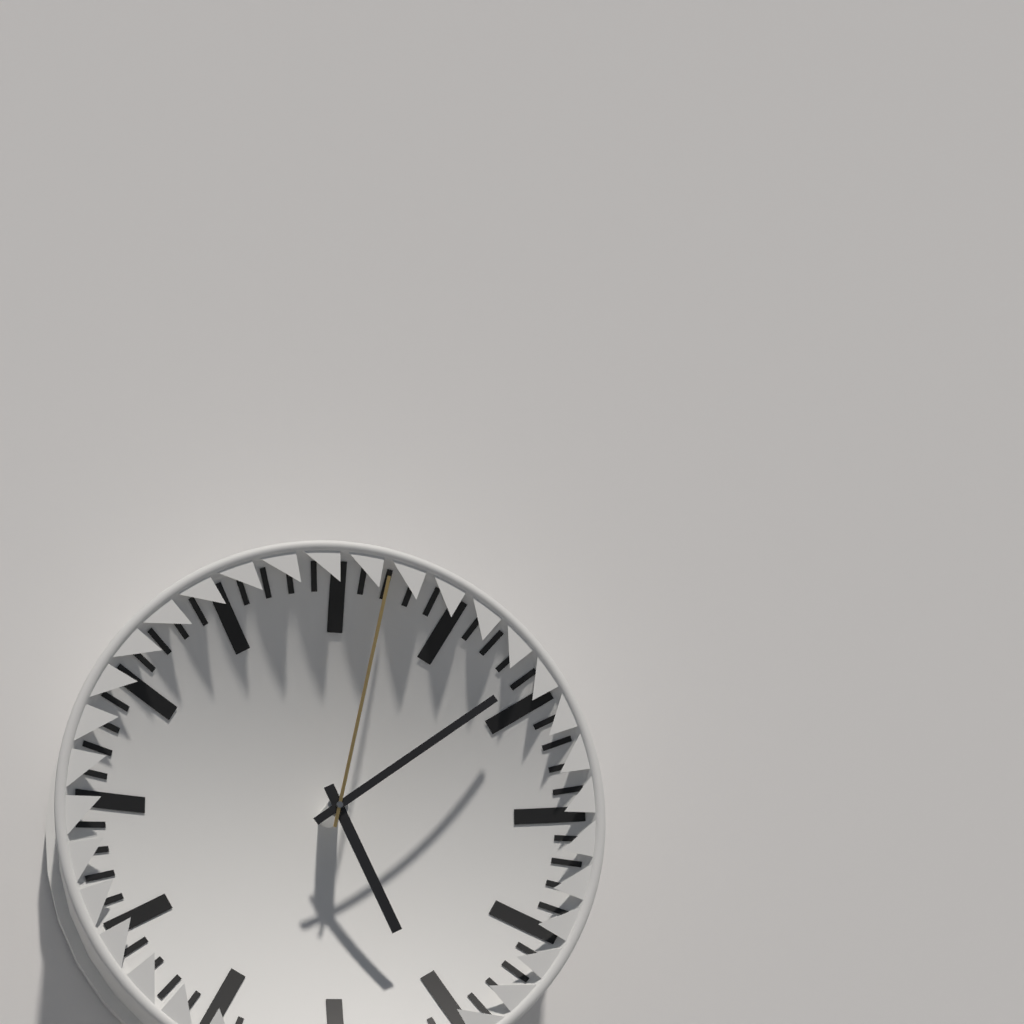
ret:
{"hour": 5, "minute": 9, "second": 2}
